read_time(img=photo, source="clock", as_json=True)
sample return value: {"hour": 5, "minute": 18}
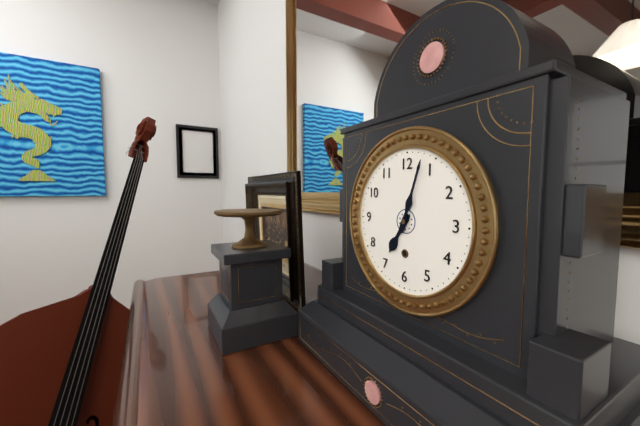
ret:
{"hour": 7, "minute": 3}
